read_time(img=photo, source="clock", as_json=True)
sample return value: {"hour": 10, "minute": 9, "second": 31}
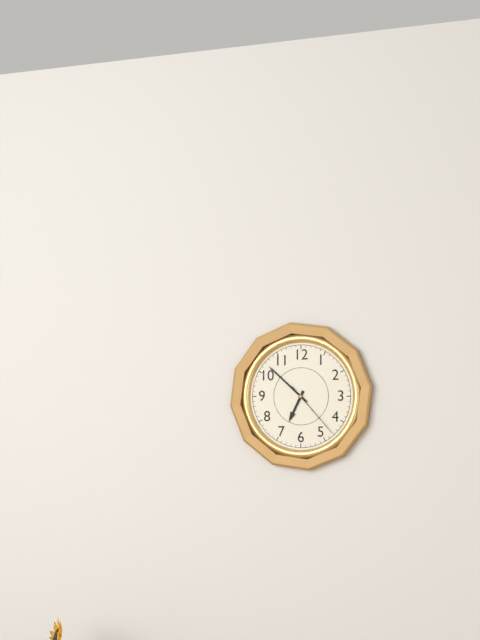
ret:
{"hour": 6, "minute": 52, "second": 23}
